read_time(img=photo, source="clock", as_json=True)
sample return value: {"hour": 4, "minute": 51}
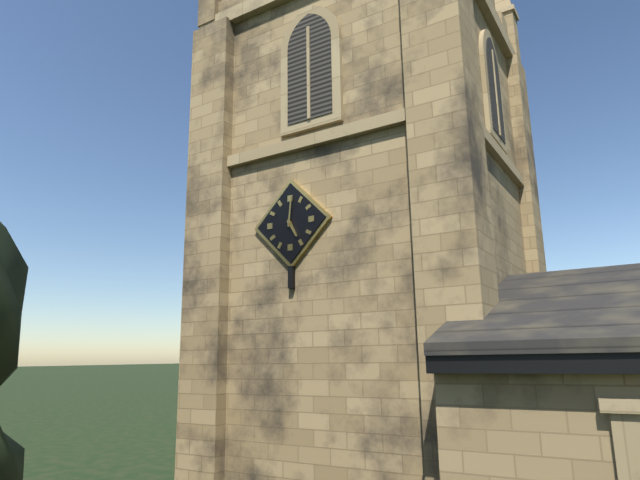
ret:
{"hour": 5, "minute": 1}
